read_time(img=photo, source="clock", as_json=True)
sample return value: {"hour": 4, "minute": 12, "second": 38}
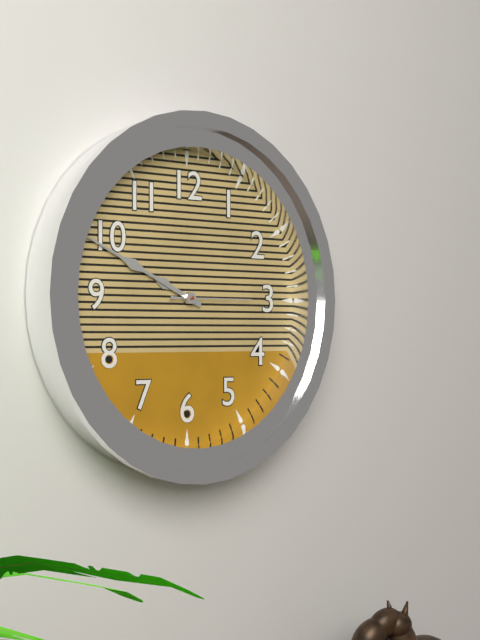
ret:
{"hour": 9, "minute": 49, "second": 15}
